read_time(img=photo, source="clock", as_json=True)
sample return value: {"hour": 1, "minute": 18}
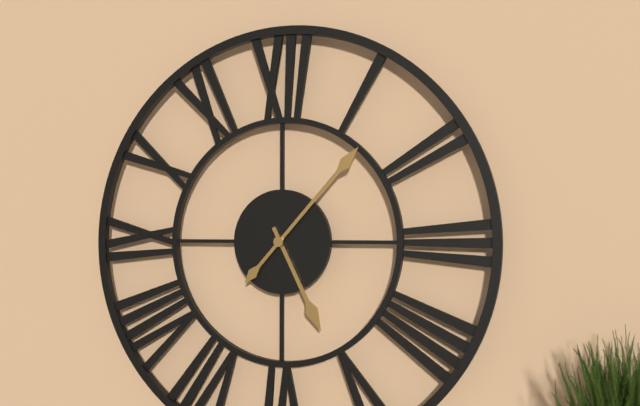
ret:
{"hour": 5, "minute": 7}
